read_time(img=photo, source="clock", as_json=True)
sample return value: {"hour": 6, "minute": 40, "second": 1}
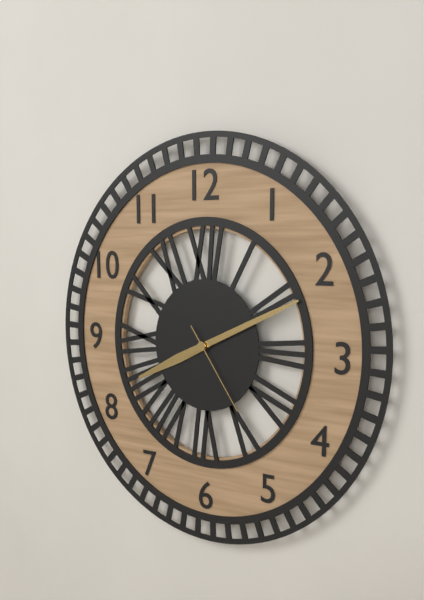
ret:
{"hour": 8, "minute": 11, "second": 24}
